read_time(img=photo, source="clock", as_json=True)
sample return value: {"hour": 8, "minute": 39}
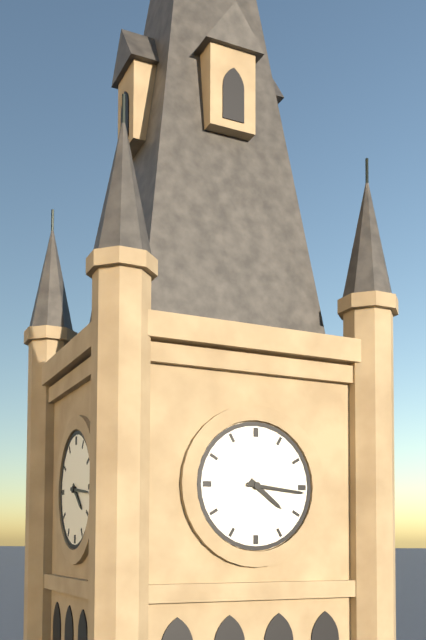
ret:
{"hour": 4, "minute": 16}
